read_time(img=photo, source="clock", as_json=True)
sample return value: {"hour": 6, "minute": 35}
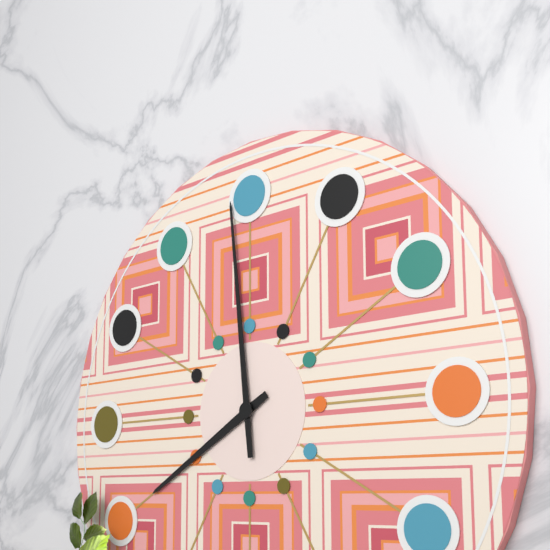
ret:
{"hour": 7, "minute": 59}
